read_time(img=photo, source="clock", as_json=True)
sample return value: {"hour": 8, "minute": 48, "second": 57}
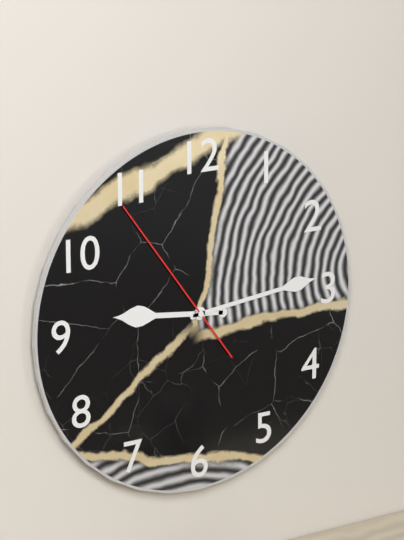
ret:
{"hour": 9, "minute": 14, "second": 54}
